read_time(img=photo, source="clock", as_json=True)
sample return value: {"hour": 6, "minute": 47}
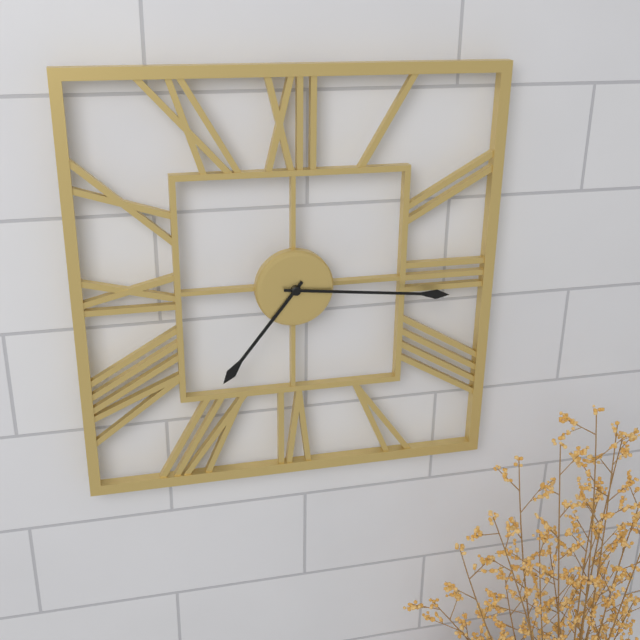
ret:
{"hour": 7, "minute": 16}
